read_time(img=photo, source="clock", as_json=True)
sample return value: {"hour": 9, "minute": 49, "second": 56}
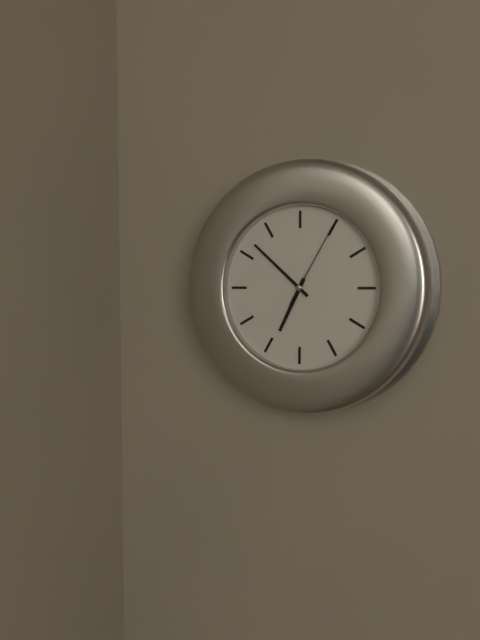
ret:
{"hour": 6, "minute": 52, "second": 5}
